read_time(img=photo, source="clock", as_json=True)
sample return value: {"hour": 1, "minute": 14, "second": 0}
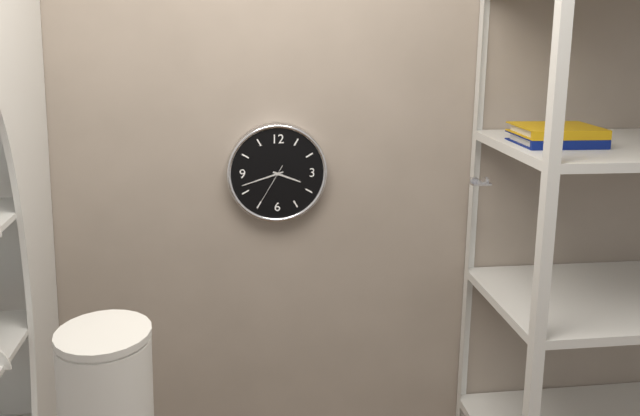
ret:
{"hour": 3, "minute": 42, "second": 35}
